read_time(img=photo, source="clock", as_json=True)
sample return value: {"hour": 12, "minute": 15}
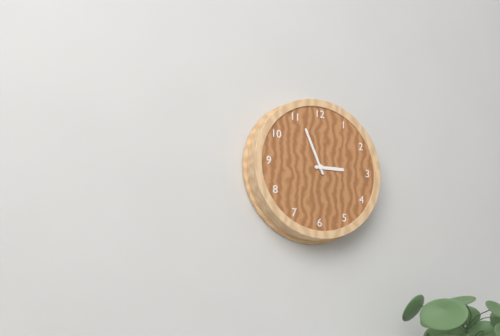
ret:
{"hour": 2, "minute": 56}
